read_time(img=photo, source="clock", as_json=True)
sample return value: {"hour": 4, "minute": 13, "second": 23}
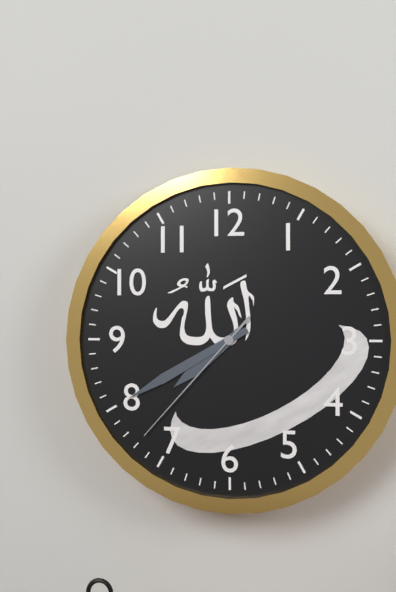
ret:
{"hour": 7, "minute": 40, "second": 37}
